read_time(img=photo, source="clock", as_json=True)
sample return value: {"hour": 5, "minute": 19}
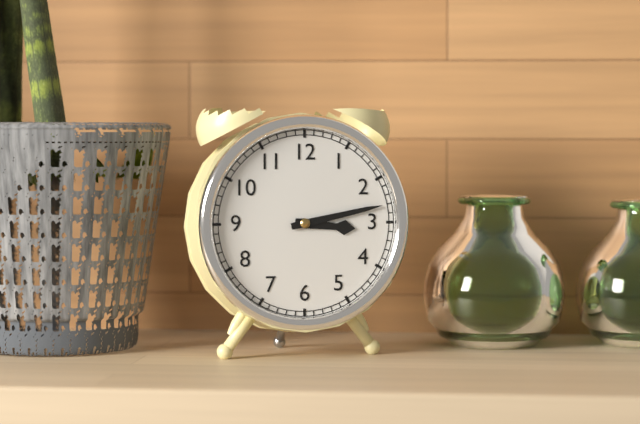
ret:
{"hour": 3, "minute": 13}
